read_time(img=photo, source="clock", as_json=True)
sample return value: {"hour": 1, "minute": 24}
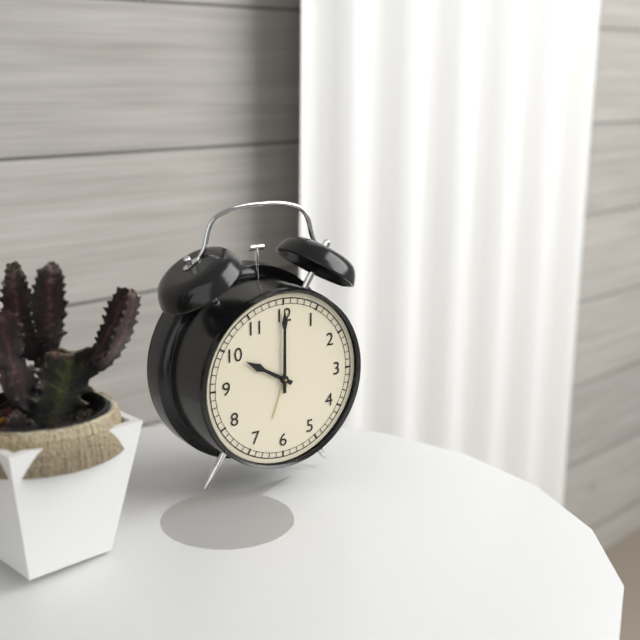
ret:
{"hour": 10, "minute": 0}
